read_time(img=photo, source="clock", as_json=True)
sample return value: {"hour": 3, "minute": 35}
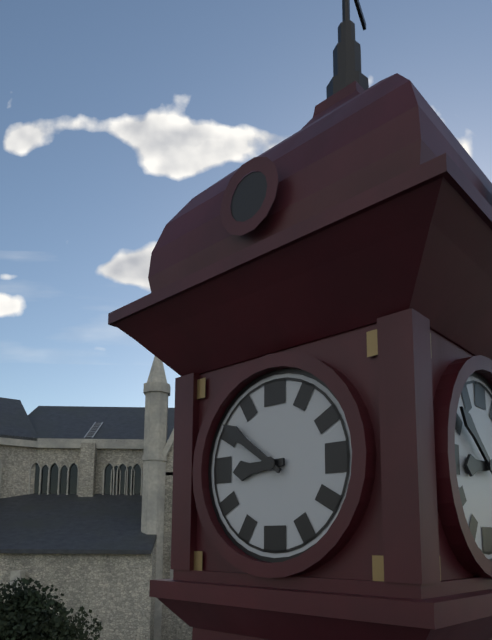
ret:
{"hour": 8, "minute": 51}
